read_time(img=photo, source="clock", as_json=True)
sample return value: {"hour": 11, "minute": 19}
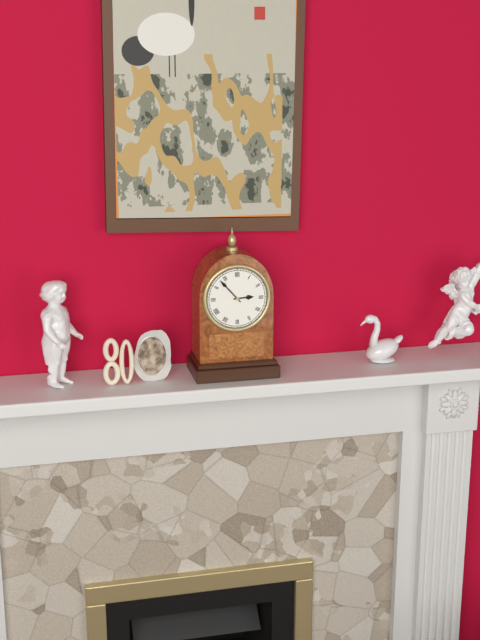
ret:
{"hour": 2, "minute": 53}
